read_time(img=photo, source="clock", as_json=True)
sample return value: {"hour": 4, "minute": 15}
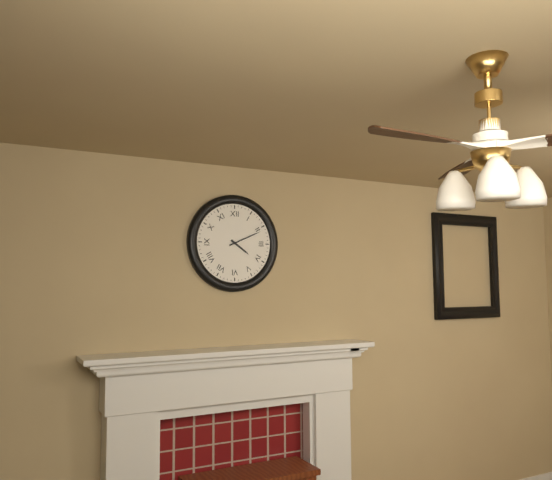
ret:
{"hour": 4, "minute": 11}
